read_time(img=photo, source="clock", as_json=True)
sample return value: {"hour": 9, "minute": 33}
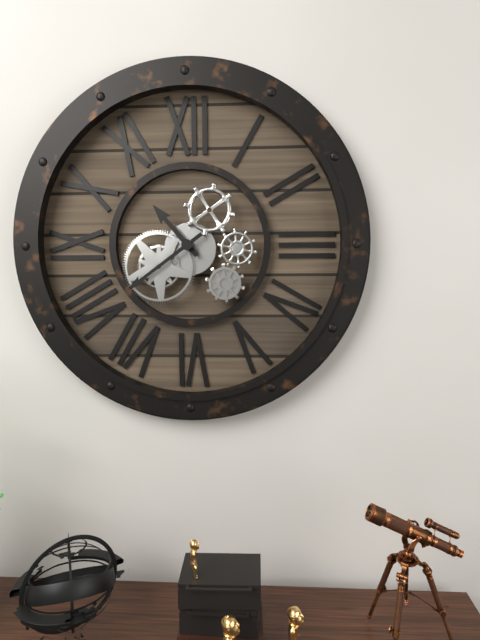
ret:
{"hour": 10, "minute": 39}
